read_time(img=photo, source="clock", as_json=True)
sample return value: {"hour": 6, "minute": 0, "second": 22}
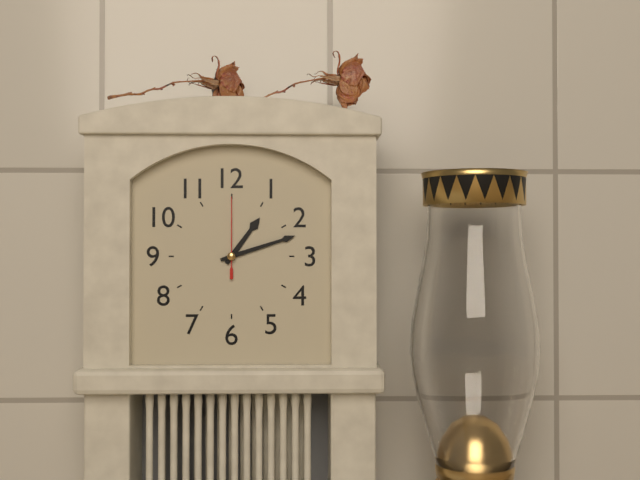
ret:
{"hour": 1, "minute": 12, "second": 0}
